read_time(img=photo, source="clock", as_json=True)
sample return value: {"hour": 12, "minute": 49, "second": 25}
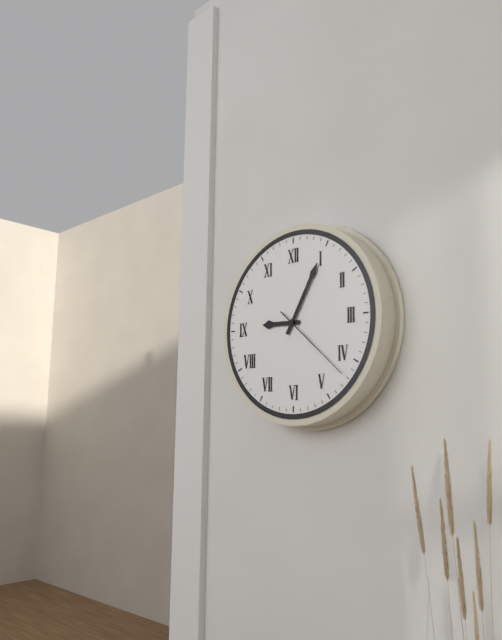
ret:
{"hour": 9, "minute": 5, "second": 22}
